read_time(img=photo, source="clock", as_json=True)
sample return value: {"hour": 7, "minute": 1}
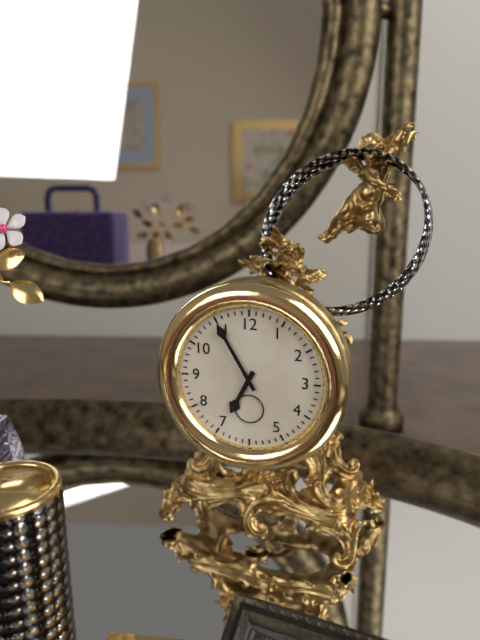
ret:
{"hour": 6, "minute": 55}
